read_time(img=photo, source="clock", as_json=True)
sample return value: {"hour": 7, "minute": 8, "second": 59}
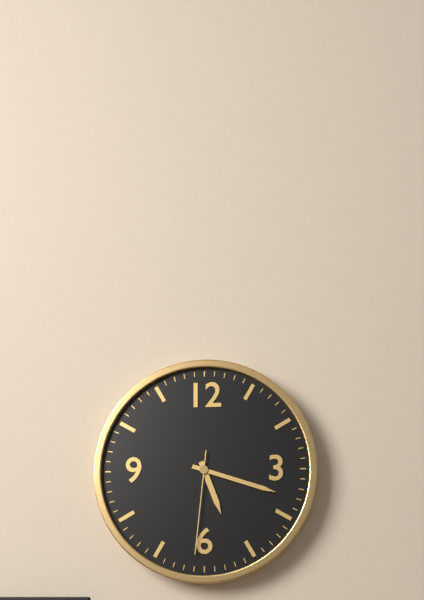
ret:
{"hour": 5, "minute": 18, "second": 31}
